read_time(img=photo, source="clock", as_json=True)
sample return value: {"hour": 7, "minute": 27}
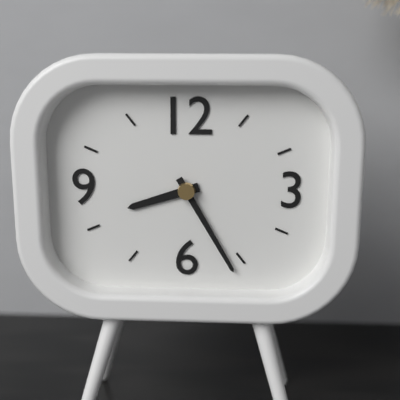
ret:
{"hour": 8, "minute": 25}
